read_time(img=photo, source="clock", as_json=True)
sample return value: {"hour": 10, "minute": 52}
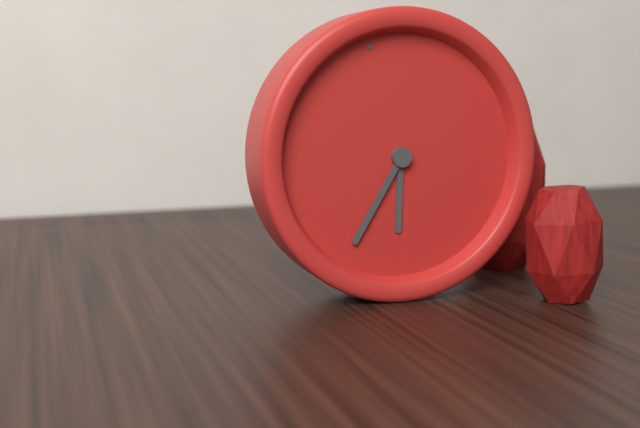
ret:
{"hour": 6, "minute": 38}
